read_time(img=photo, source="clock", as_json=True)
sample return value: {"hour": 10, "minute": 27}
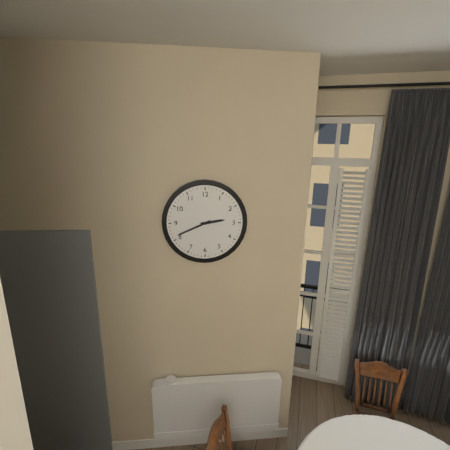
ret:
{"hour": 2, "minute": 41}
